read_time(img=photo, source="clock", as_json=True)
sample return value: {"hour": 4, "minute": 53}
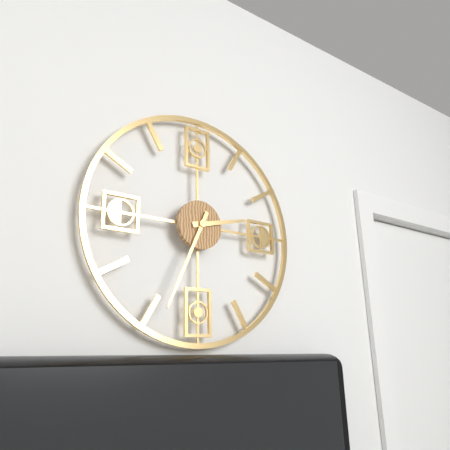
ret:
{"hour": 2, "minute": 34}
